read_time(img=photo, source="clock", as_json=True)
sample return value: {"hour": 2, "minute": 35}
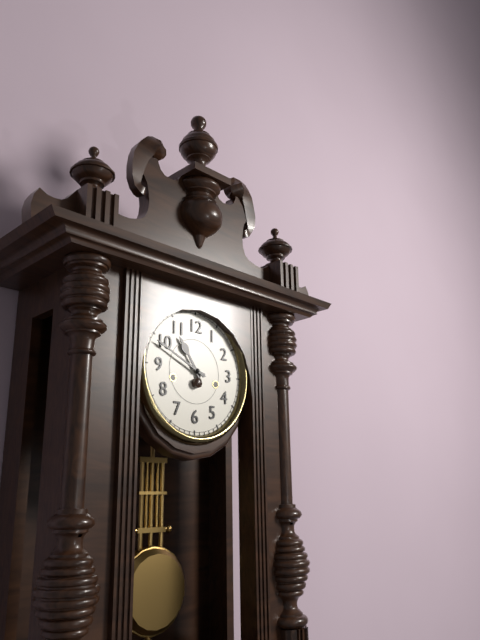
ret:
{"hour": 10, "minute": 49}
